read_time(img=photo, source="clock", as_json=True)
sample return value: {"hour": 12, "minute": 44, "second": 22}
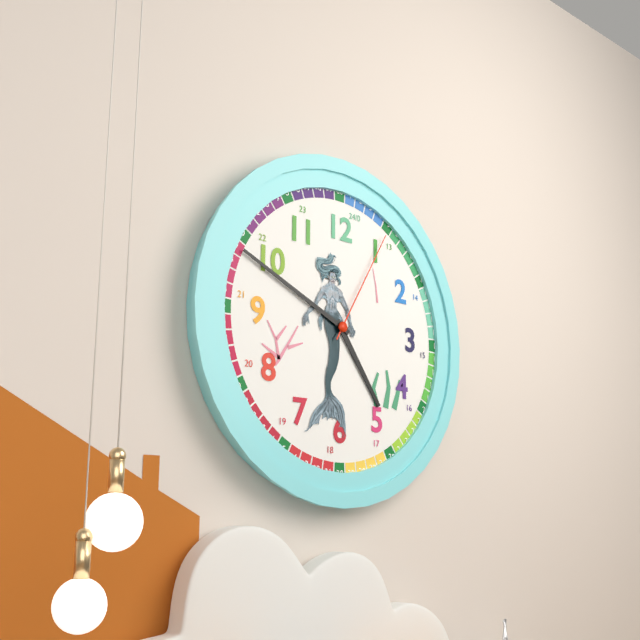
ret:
{"hour": 4, "minute": 49, "second": 5}
